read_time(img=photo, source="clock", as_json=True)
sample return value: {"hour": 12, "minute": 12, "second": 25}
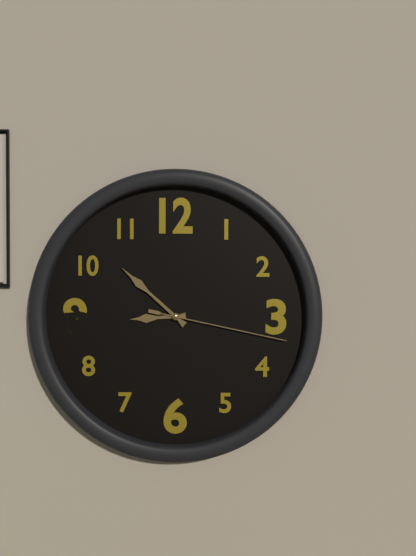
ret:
{"hour": 8, "minute": 52, "second": 17}
